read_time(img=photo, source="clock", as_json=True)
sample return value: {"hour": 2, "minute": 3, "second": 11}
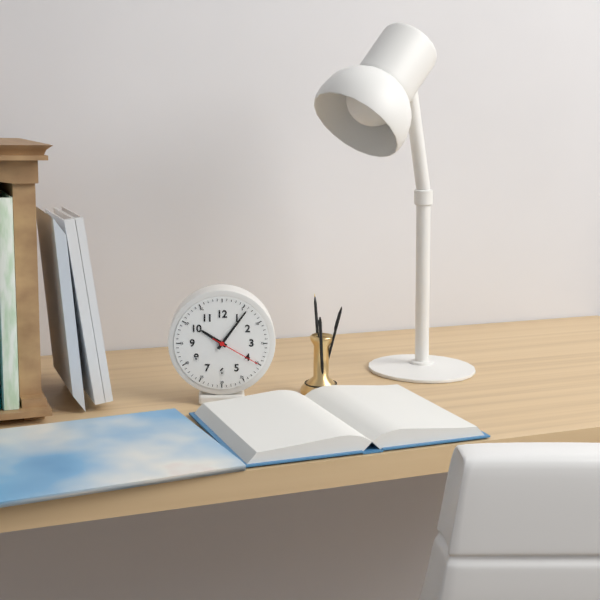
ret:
{"hour": 10, "minute": 6, "second": 20}
